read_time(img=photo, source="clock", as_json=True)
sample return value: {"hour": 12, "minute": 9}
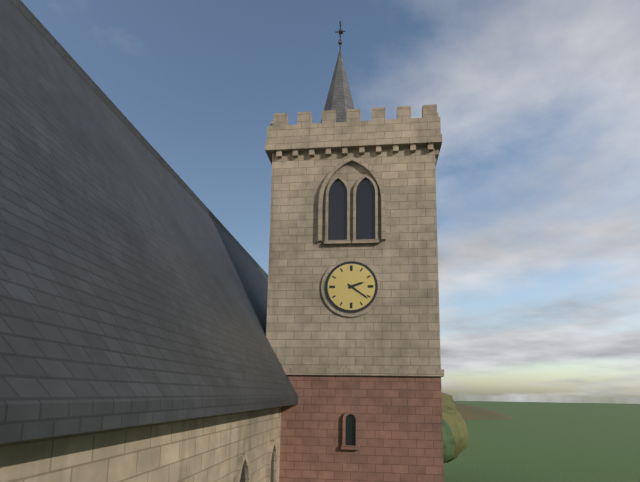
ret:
{"hour": 2, "minute": 21}
